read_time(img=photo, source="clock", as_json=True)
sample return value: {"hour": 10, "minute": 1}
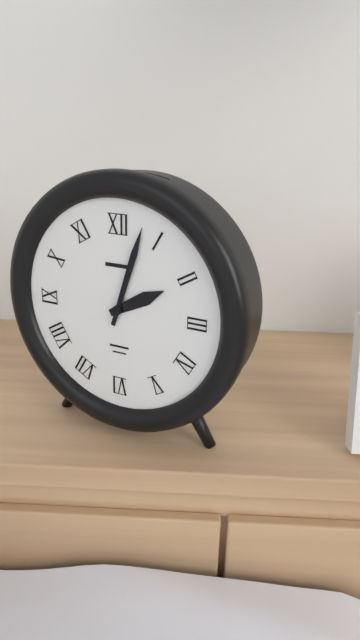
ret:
{"hour": 2, "minute": 3}
